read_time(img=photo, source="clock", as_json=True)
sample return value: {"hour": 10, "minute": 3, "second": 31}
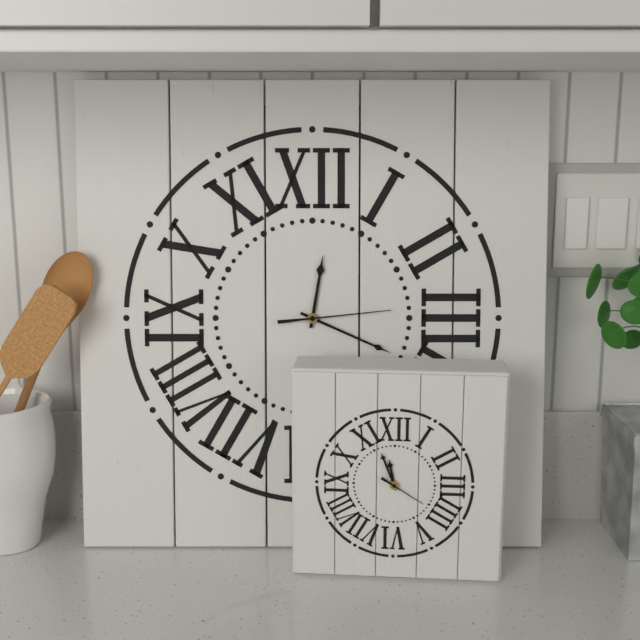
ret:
{"hour": 12, "minute": 19, "second": 14}
